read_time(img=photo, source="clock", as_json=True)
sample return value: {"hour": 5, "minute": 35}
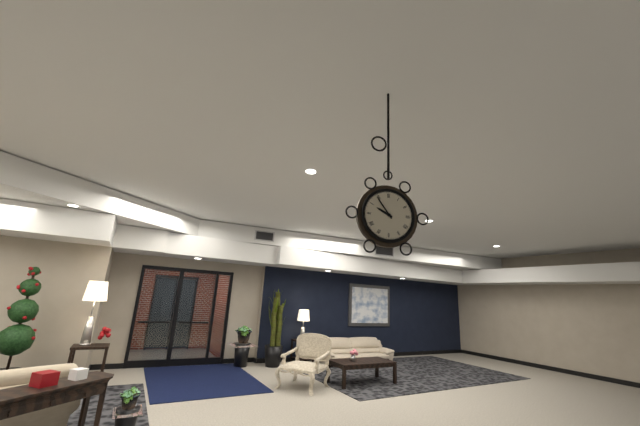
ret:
{"hour": 9, "minute": 54}
